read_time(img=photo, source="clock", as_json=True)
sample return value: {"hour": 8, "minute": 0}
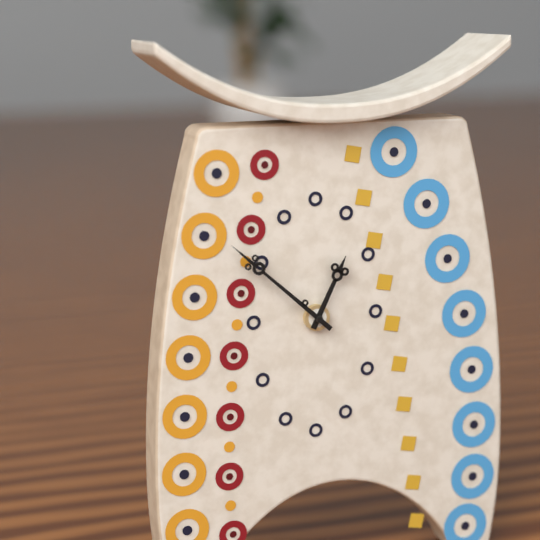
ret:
{"hour": 12, "minute": 52}
